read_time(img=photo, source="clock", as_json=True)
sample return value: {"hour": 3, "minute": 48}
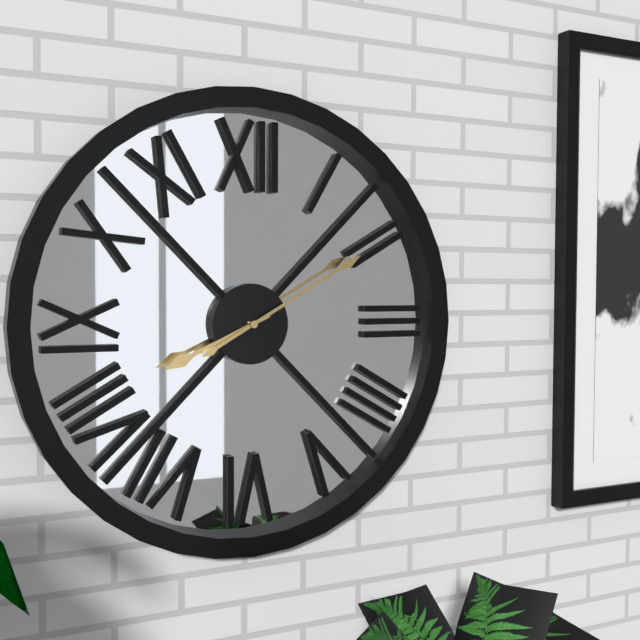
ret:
{"hour": 8, "minute": 10}
